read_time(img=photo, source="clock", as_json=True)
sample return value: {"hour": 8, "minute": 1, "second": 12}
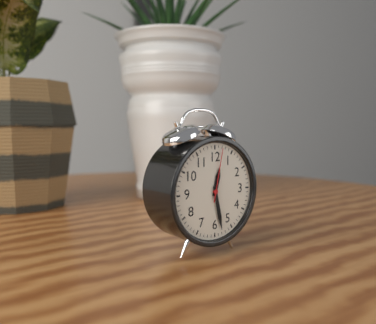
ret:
{"hour": 12, "minute": 28, "second": 2}
